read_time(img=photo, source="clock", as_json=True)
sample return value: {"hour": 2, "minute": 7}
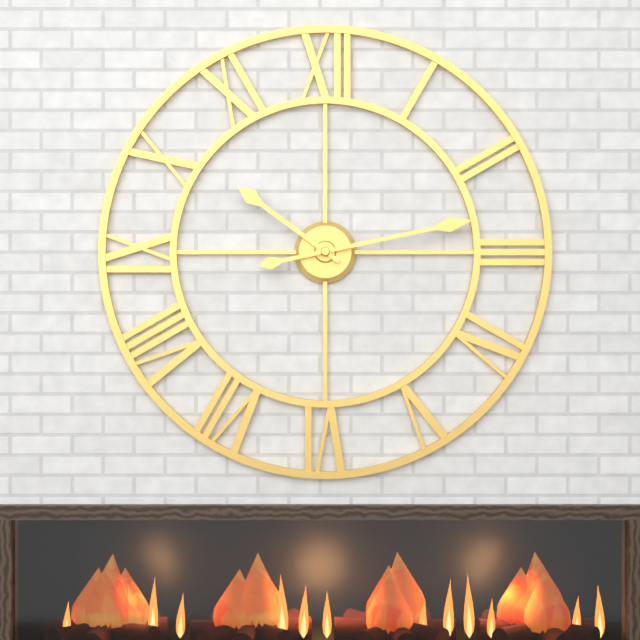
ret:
{"hour": 10, "minute": 13}
